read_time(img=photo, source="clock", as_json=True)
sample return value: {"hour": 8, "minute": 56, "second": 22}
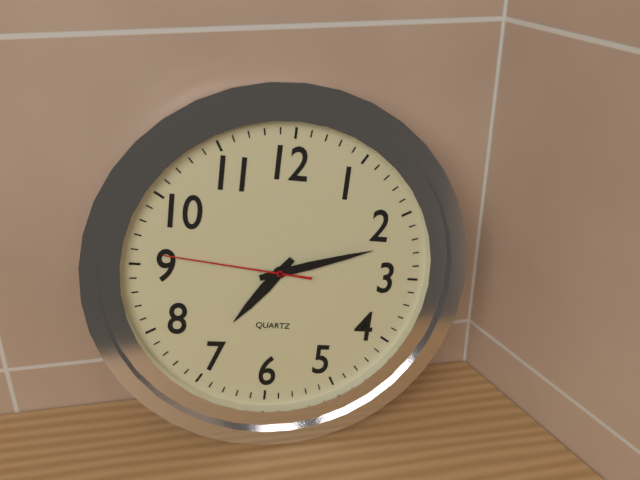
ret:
{"hour": 7, "minute": 12, "second": 46}
